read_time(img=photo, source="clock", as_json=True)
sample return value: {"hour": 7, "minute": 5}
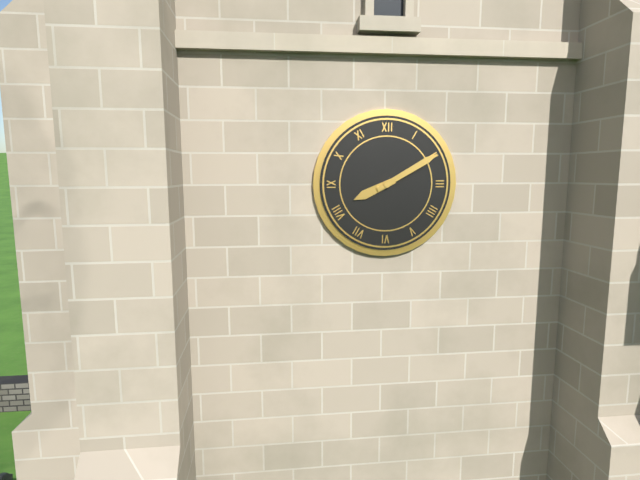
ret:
{"hour": 8, "minute": 10}
